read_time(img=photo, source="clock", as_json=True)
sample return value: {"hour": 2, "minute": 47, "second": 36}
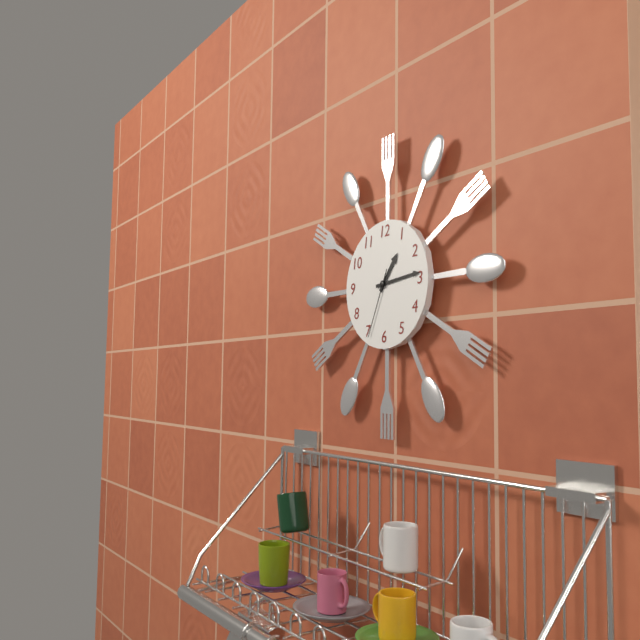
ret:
{"hour": 1, "minute": 14, "second": 34}
